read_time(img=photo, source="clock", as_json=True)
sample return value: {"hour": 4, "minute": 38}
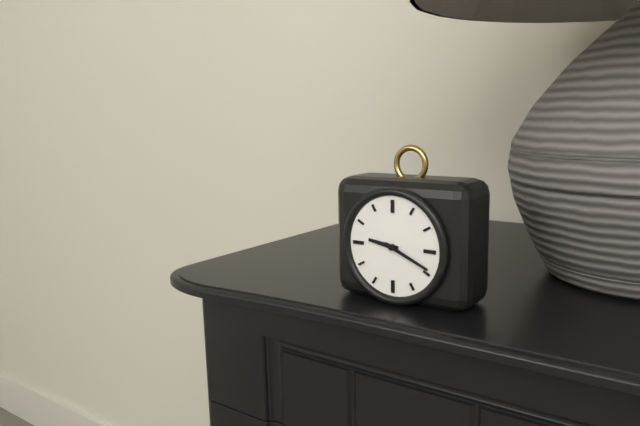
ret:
{"hour": 9, "minute": 19}
